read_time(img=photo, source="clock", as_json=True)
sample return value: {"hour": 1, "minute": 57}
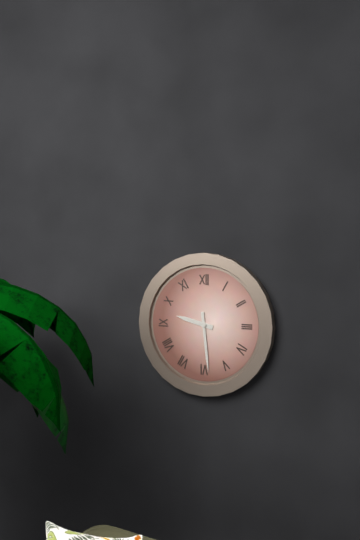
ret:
{"hour": 9, "minute": 29}
